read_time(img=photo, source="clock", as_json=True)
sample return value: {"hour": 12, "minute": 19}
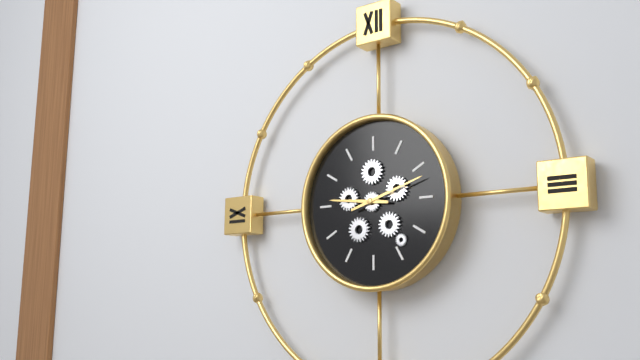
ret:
{"hour": 9, "minute": 12}
